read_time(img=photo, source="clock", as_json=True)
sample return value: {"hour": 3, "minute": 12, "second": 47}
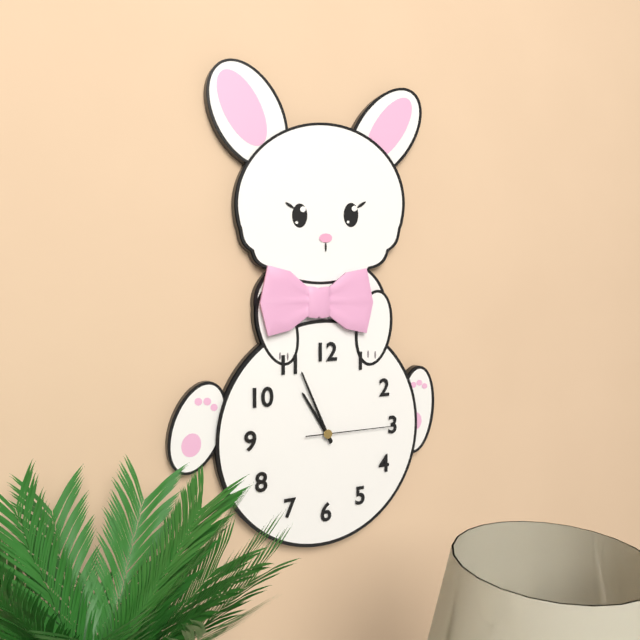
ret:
{"hour": 10, "minute": 56, "second": 15}
